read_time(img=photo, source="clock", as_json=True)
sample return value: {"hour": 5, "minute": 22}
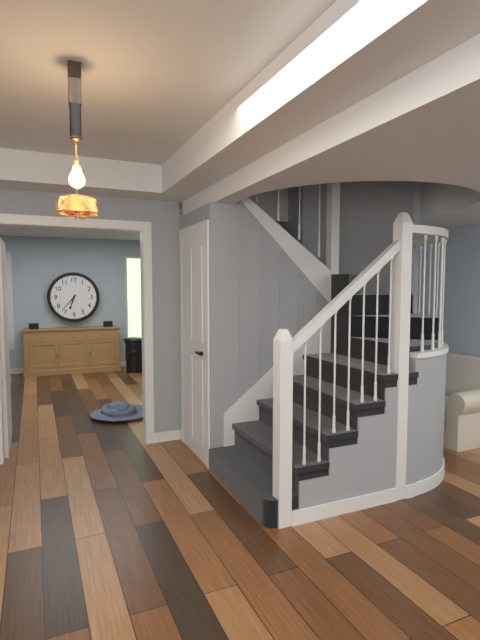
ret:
{"hour": 6, "minute": 37}
